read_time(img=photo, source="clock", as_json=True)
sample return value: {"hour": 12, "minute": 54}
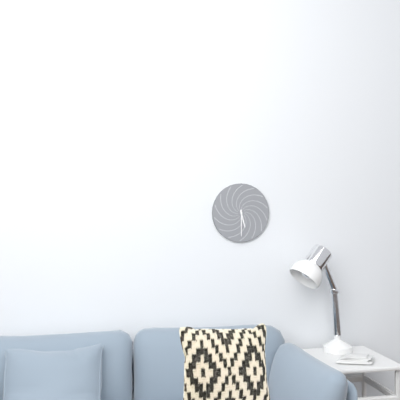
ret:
{"hour": 5, "minute": 30}
